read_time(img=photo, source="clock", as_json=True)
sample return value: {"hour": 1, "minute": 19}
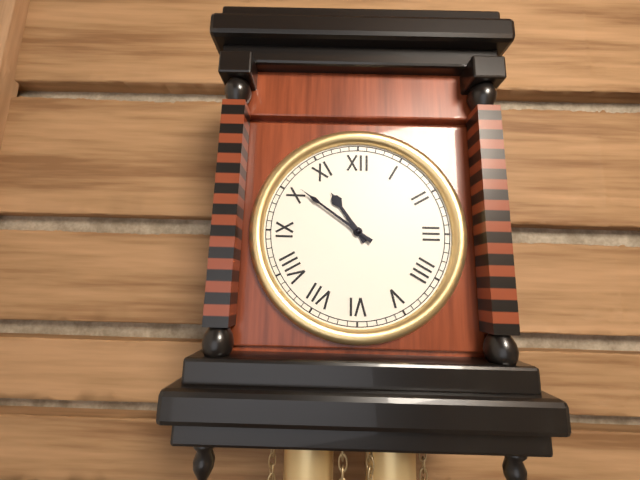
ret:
{"hour": 10, "minute": 51}
